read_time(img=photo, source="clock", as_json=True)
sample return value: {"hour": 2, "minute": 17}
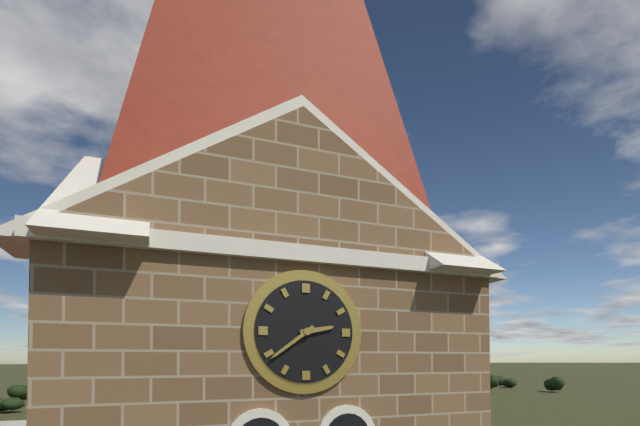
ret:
{"hour": 2, "minute": 39}
